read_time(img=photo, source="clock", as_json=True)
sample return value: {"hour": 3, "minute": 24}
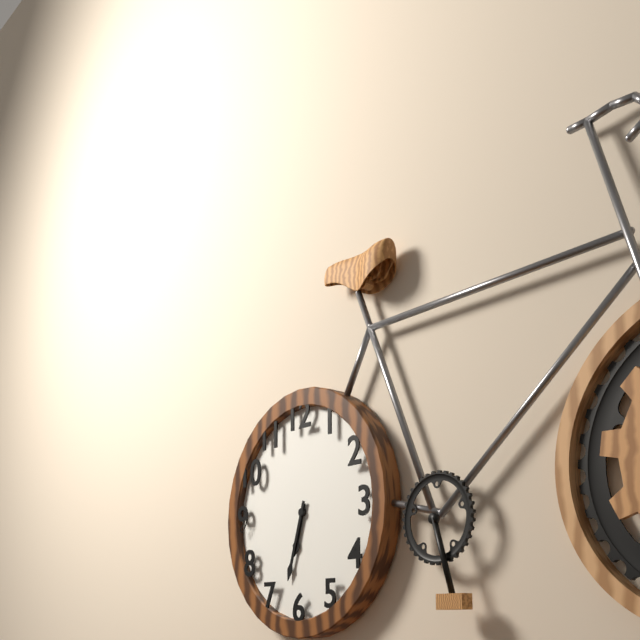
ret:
{"hour": 6, "minute": 33}
